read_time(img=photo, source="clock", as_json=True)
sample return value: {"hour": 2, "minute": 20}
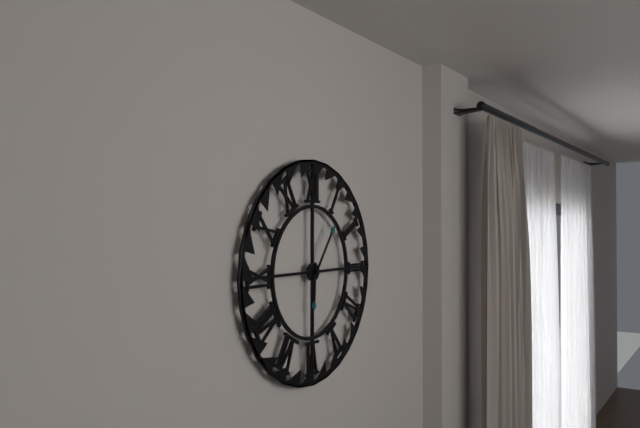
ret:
{"hour": 6, "minute": 6}
